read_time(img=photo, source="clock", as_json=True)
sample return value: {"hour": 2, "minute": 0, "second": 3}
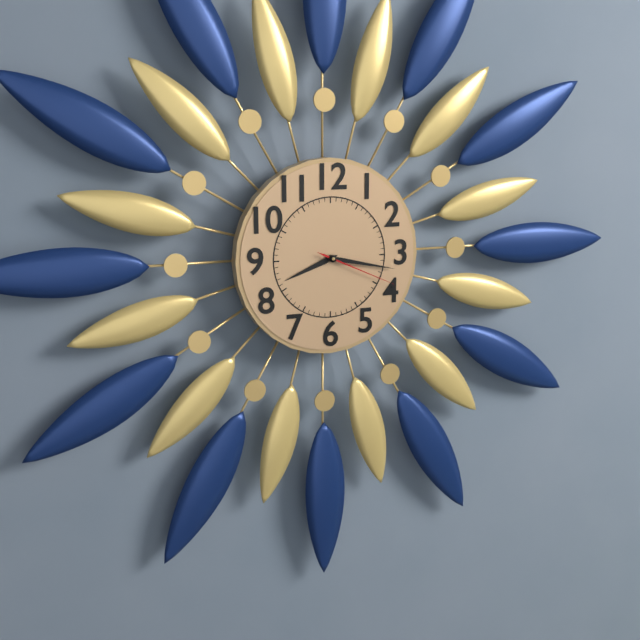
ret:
{"hour": 8, "minute": 17, "second": 19}
